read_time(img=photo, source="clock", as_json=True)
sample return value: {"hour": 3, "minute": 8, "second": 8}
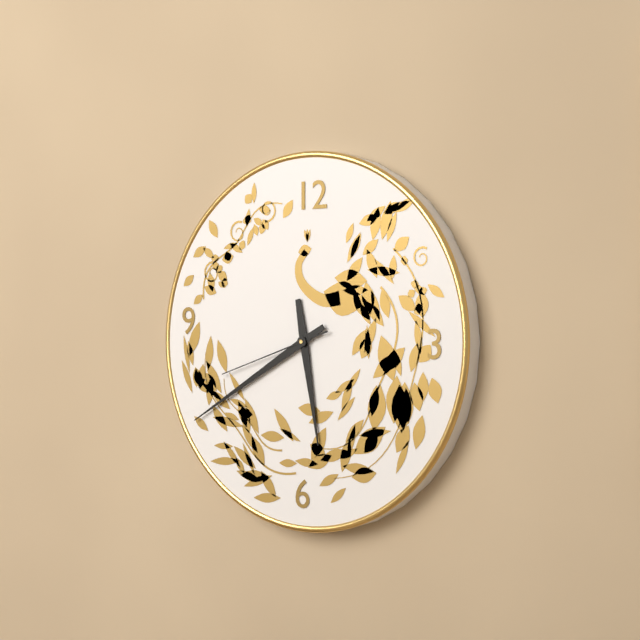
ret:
{"hour": 5, "minute": 40, "second": 42}
